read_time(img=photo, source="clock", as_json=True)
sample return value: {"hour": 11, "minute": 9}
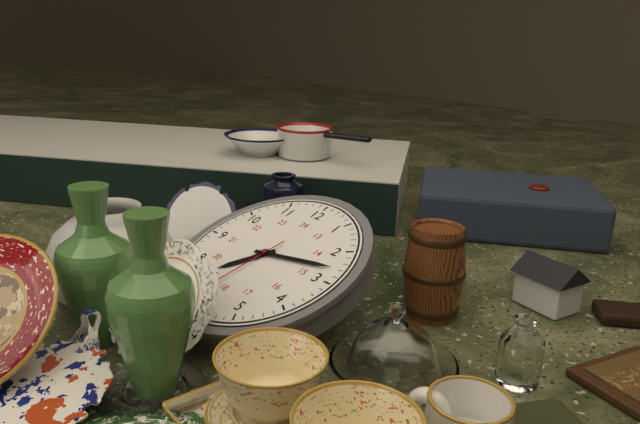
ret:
{"hour": 7, "minute": 13}
